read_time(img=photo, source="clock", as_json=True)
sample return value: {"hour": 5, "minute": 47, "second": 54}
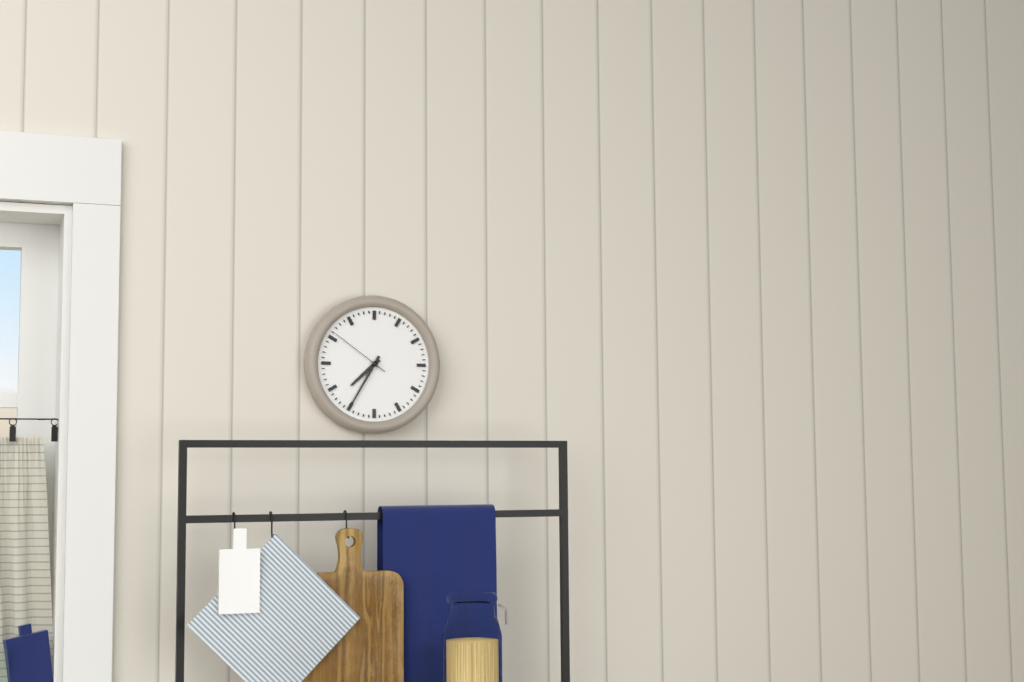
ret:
{"hour": 7, "minute": 35, "second": 51}
